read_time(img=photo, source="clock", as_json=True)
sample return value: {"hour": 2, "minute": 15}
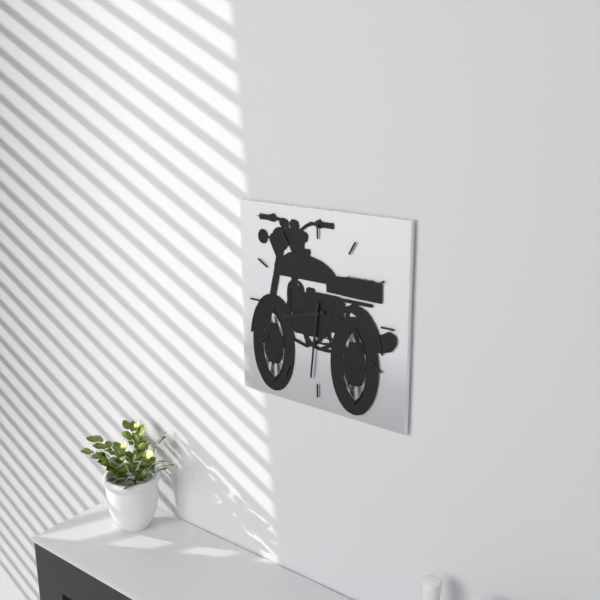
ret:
{"hour": 8, "minute": 31}
